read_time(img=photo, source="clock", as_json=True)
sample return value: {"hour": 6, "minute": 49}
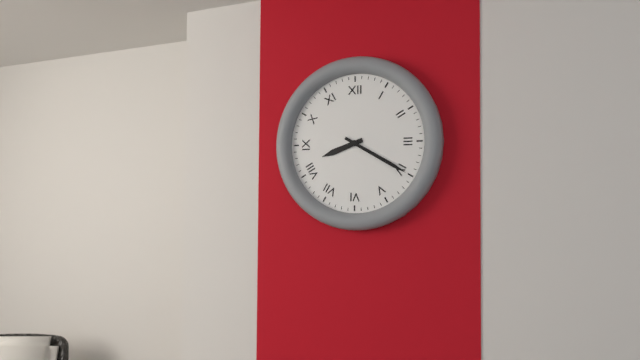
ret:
{"hour": 8, "minute": 20}
